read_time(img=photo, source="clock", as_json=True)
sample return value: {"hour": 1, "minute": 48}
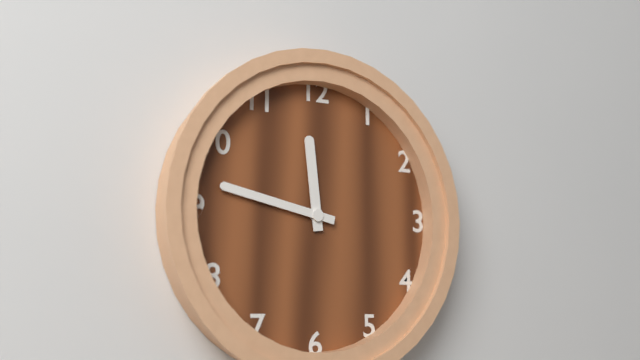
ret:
{"hour": 11, "minute": 47}
